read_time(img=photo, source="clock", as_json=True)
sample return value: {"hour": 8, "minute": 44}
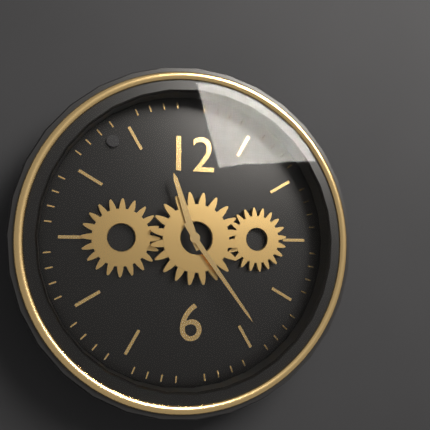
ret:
{"hour": 11, "minute": 24}
